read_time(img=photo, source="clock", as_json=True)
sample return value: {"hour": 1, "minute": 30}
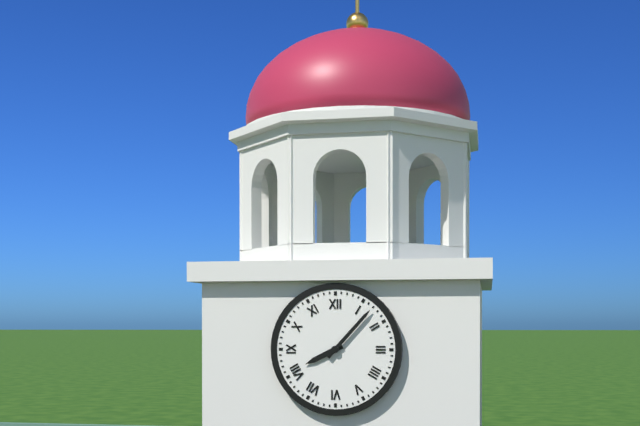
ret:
{"hour": 8, "minute": 7}
